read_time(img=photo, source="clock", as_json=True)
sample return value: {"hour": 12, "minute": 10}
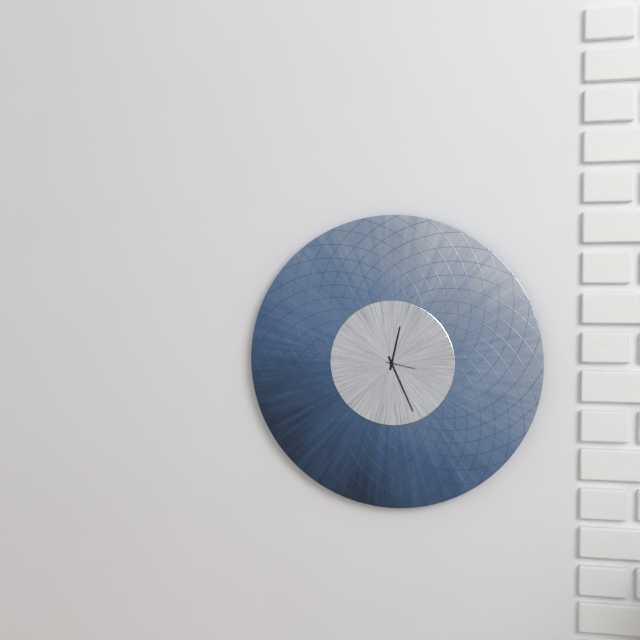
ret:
{"hour": 12, "minute": 26}
